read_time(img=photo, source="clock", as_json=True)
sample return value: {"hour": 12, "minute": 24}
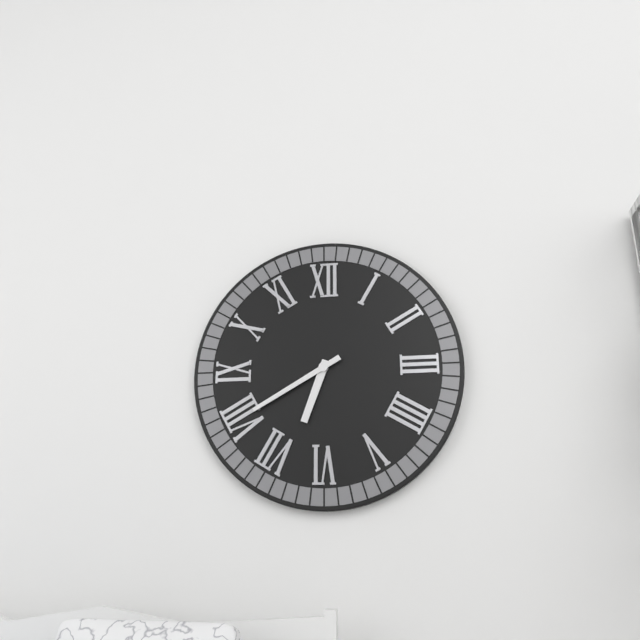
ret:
{"hour": 6, "minute": 40}
